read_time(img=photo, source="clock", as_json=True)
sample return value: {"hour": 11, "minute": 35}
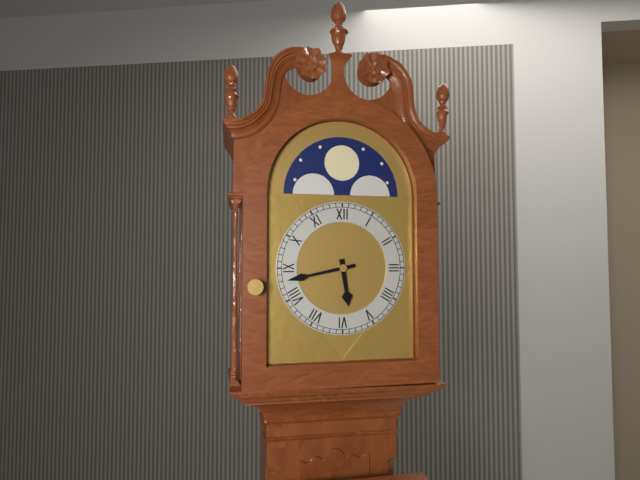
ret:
{"hour": 5, "minute": 43}
